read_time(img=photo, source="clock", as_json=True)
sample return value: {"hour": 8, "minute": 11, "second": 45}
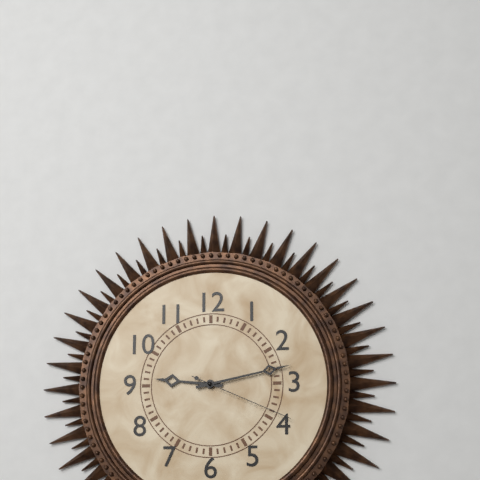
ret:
{"hour": 9, "minute": 13, "second": 19}
